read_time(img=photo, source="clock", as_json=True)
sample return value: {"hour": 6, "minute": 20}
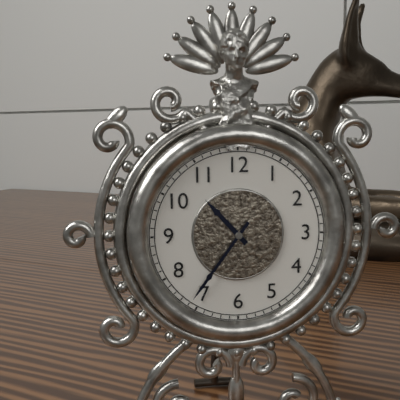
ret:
{"hour": 10, "minute": 36}
